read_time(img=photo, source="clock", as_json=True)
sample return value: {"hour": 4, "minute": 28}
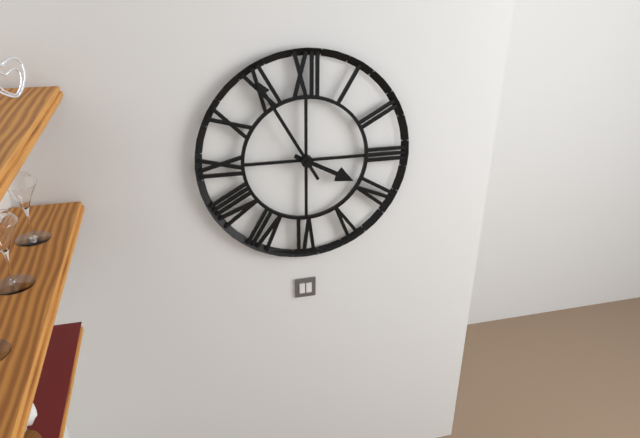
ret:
{"hour": 3, "minute": 55}
